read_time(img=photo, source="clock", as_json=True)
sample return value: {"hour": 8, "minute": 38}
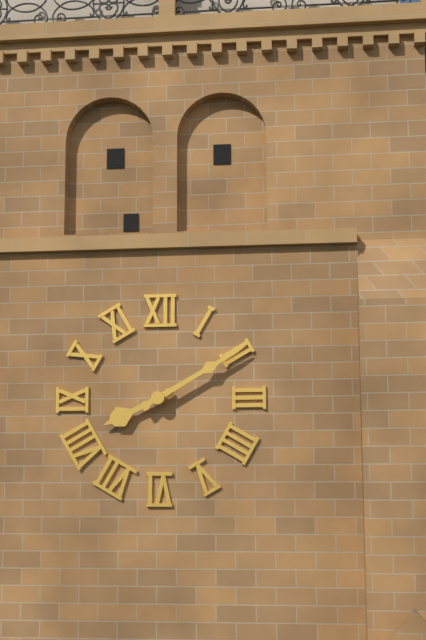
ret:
{"hour": 8, "minute": 10}
